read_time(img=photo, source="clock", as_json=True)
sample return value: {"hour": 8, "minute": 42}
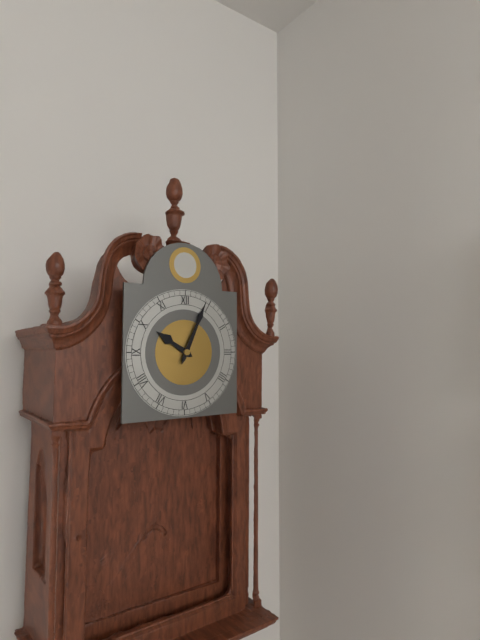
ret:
{"hour": 10, "minute": 4}
